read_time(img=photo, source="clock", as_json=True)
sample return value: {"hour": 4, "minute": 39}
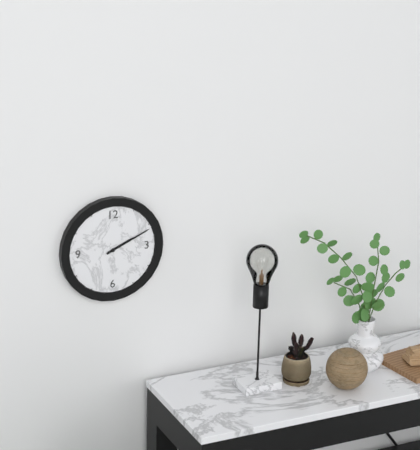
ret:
{"hour": 2, "minute": 11}
